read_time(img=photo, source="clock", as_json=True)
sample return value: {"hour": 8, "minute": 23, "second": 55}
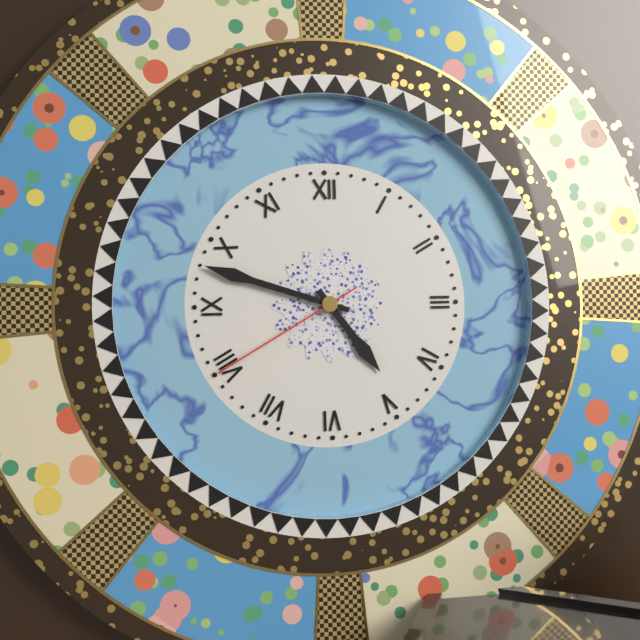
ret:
{"hour": 4, "minute": 48, "second": 40}
